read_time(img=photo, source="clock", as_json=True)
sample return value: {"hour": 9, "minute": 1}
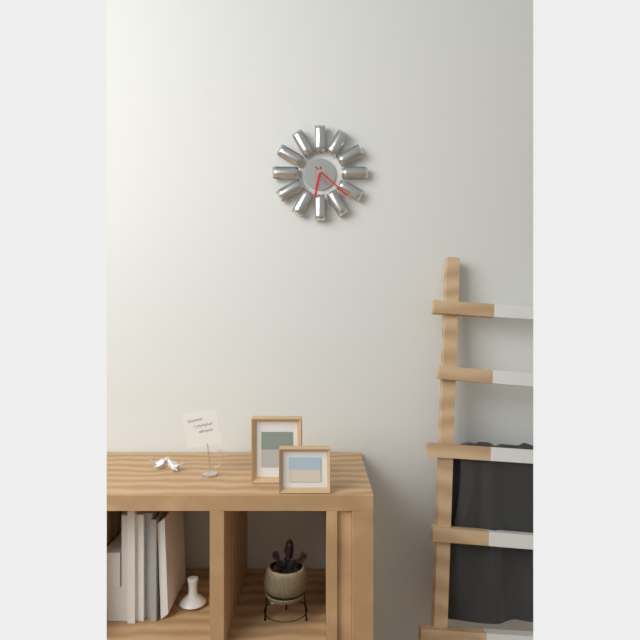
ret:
{"hour": 6, "minute": 22}
